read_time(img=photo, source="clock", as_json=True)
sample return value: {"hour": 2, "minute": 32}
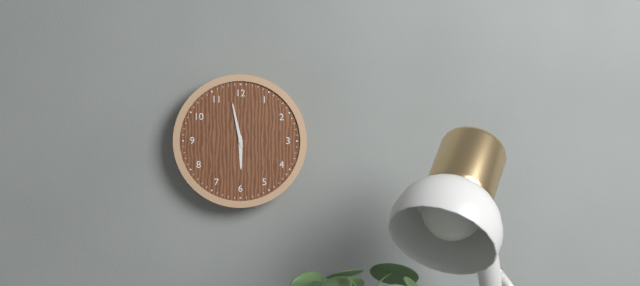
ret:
{"hour": 5, "minute": 58}
